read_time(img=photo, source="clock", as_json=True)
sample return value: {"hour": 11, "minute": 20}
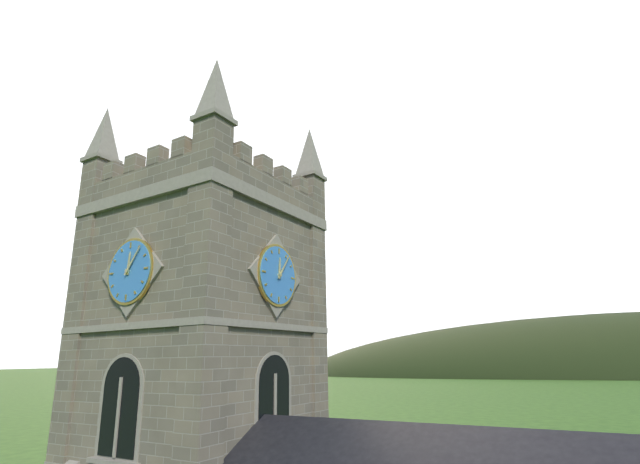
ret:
{"hour": 12, "minute": 6}
